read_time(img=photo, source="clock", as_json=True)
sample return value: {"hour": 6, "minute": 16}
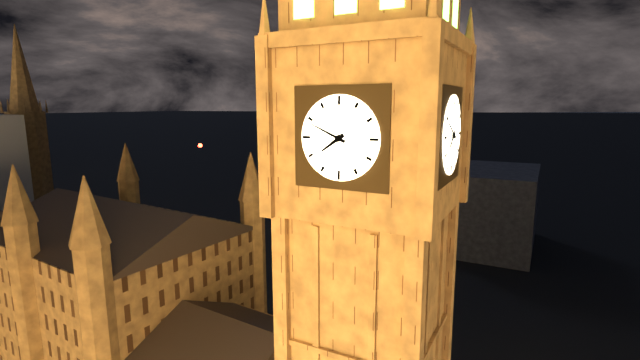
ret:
{"hour": 7, "minute": 49}
